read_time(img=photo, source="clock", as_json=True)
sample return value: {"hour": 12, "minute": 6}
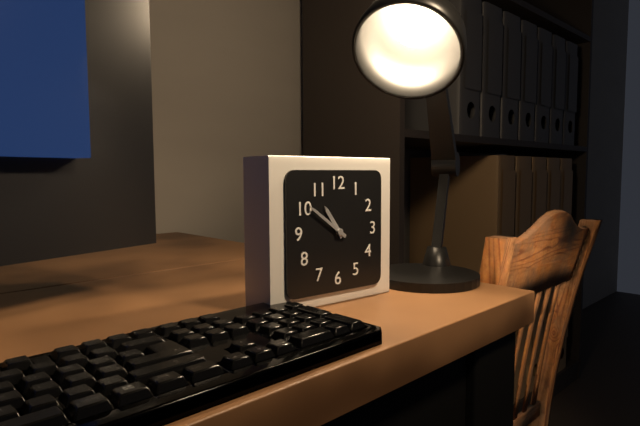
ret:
{"hour": 10, "minute": 51}
